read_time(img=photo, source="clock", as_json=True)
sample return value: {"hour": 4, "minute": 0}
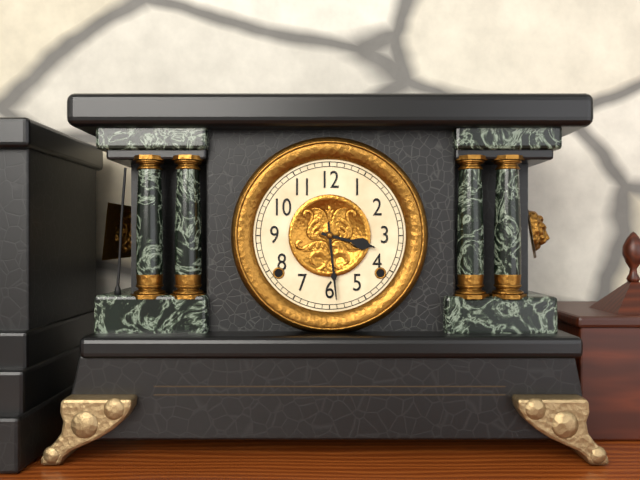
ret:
{"hour": 3, "minute": 29}
